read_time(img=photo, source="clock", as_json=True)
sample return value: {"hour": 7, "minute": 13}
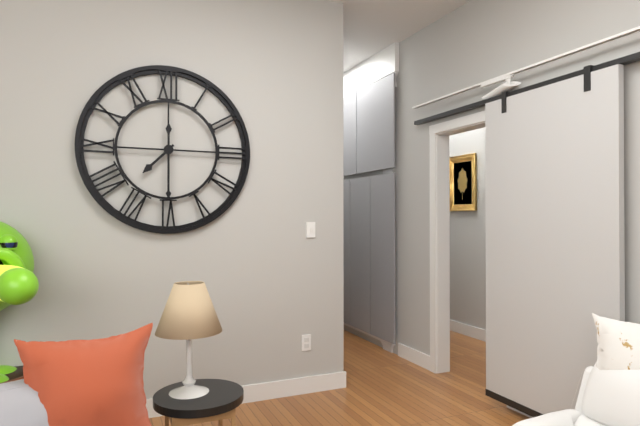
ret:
{"hour": 7, "minute": 30}
